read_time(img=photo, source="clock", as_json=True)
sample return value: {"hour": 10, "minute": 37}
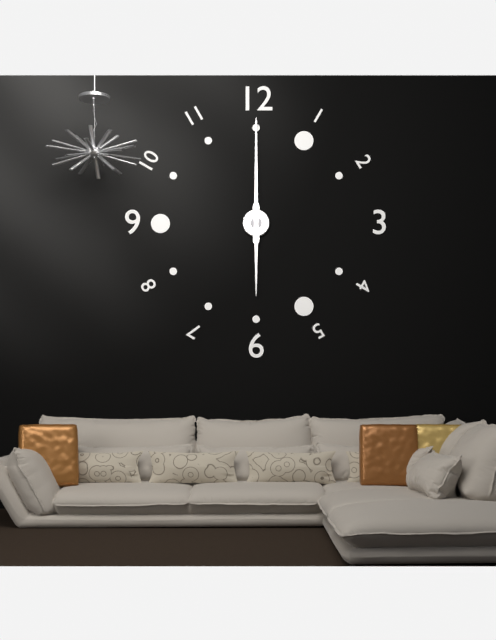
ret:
{"hour": 6, "minute": 0}
